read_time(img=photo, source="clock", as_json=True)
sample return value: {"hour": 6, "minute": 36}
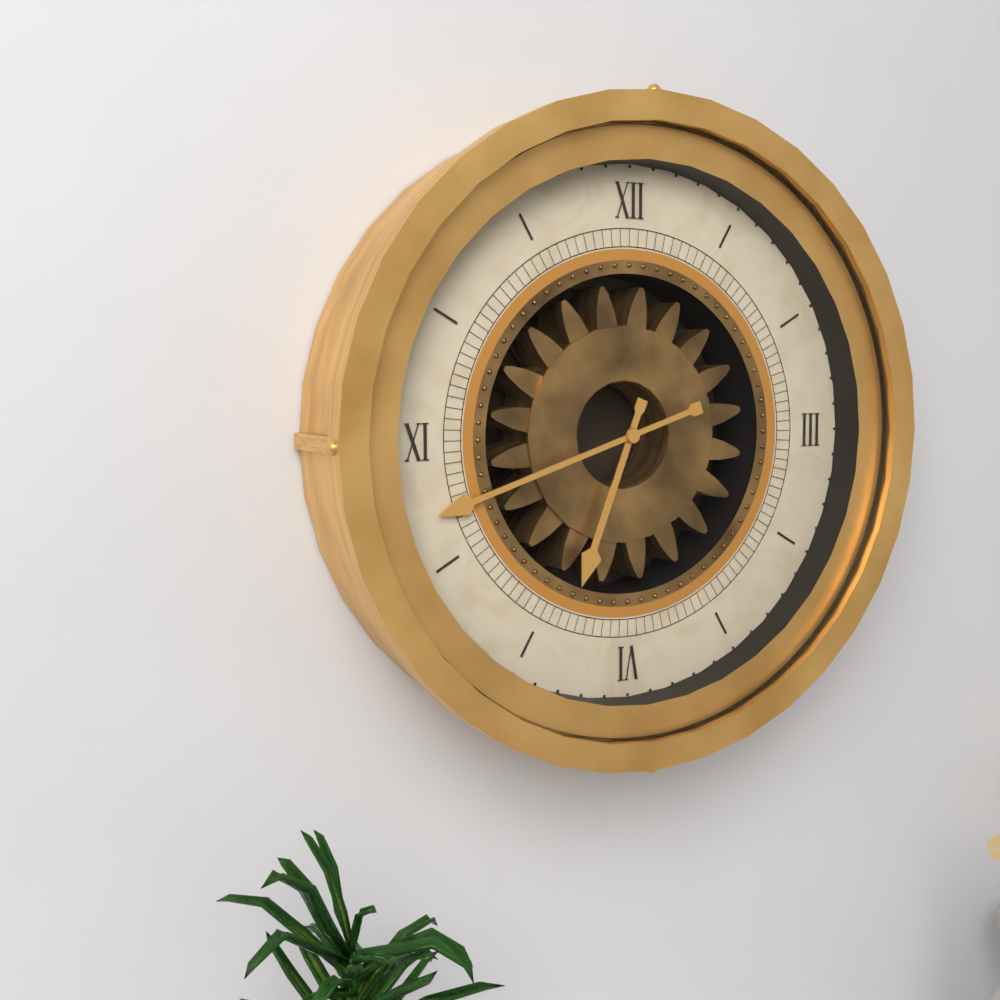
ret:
{"hour": 6, "minute": 42}
